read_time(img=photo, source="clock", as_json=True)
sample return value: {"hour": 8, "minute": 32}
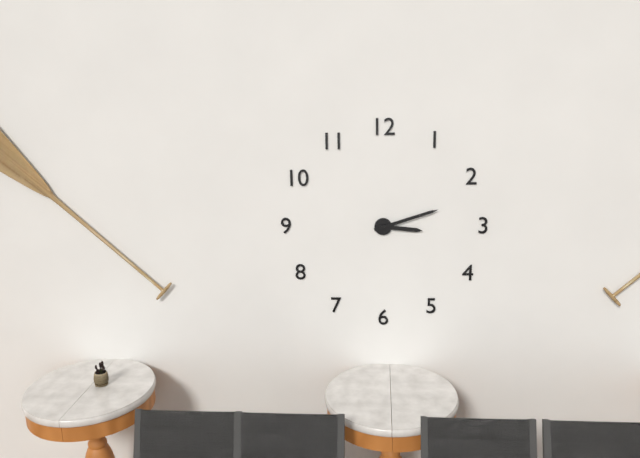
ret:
{"hour": 3, "minute": 12}
